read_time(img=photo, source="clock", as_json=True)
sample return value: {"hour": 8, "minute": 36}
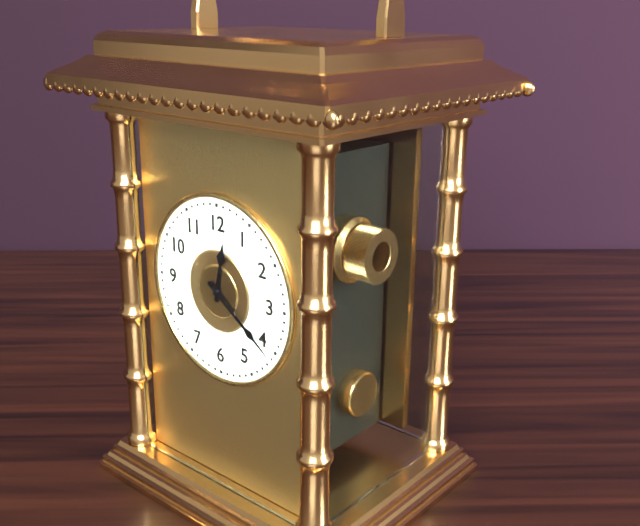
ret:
{"hour": 12, "minute": 21}
